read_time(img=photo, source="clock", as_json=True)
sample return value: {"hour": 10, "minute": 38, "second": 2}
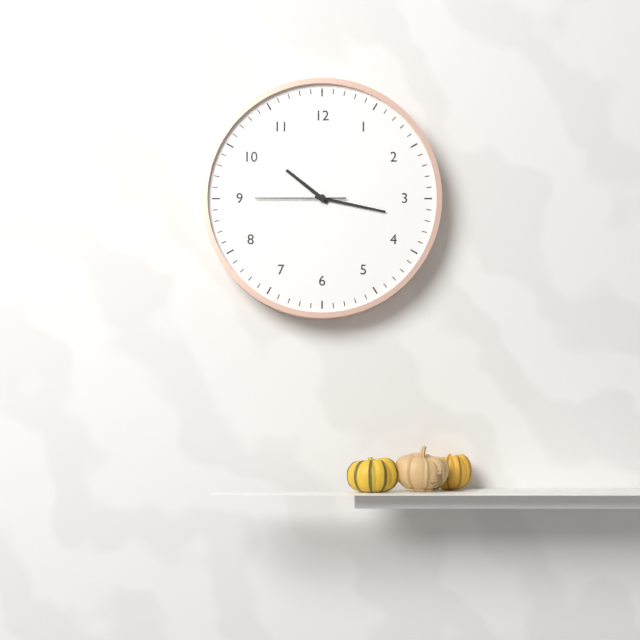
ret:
{"hour": 10, "minute": 17, "second": 45}
